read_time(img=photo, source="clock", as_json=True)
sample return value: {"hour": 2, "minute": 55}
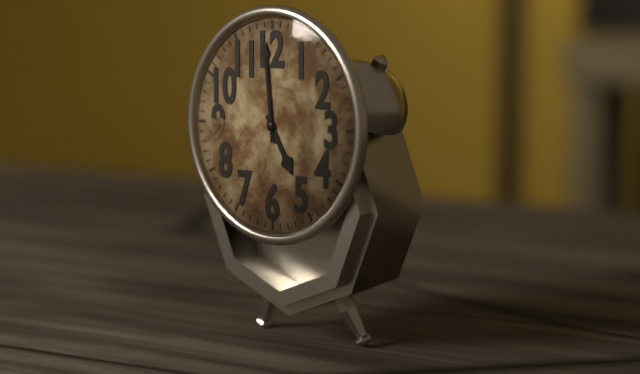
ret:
{"hour": 4, "minute": 59}
